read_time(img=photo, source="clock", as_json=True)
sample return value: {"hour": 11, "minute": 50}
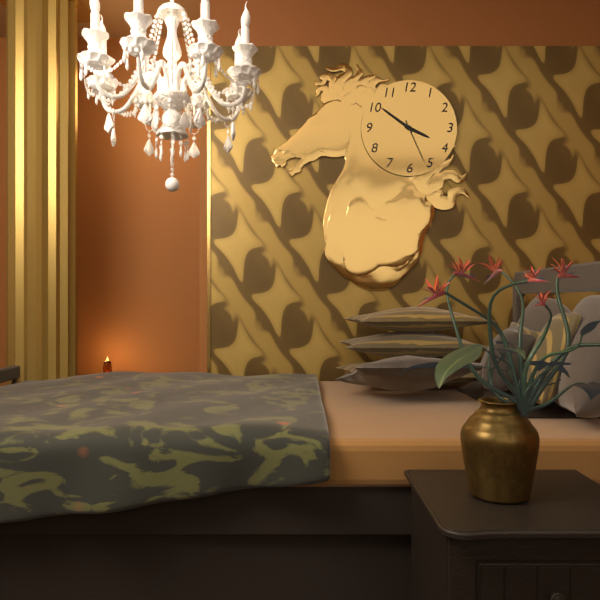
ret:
{"hour": 3, "minute": 51}
